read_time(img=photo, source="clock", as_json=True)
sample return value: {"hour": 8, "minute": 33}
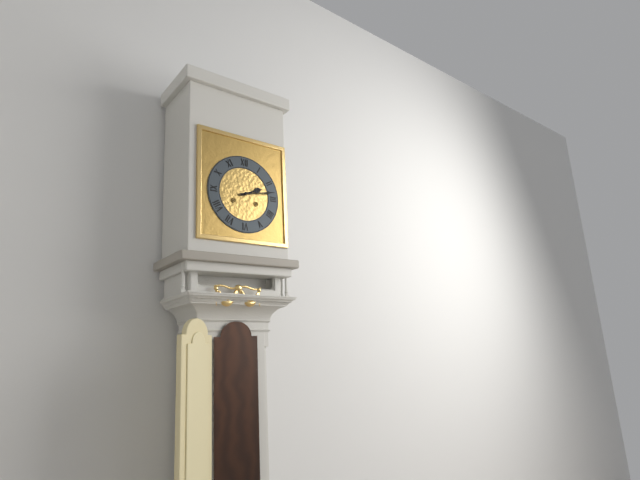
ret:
{"hour": 2, "minute": 13}
